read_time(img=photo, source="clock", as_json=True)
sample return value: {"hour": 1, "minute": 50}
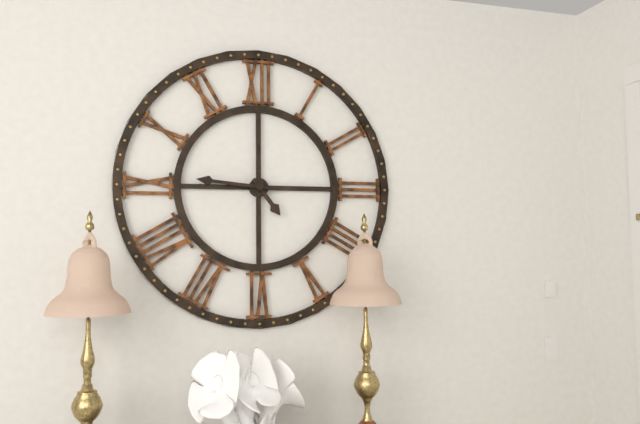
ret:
{"hour": 4, "minute": 46}
